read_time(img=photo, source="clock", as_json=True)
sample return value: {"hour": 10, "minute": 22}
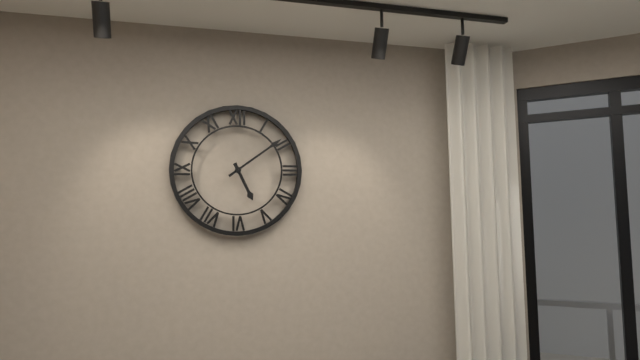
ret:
{"hour": 5, "minute": 9}
